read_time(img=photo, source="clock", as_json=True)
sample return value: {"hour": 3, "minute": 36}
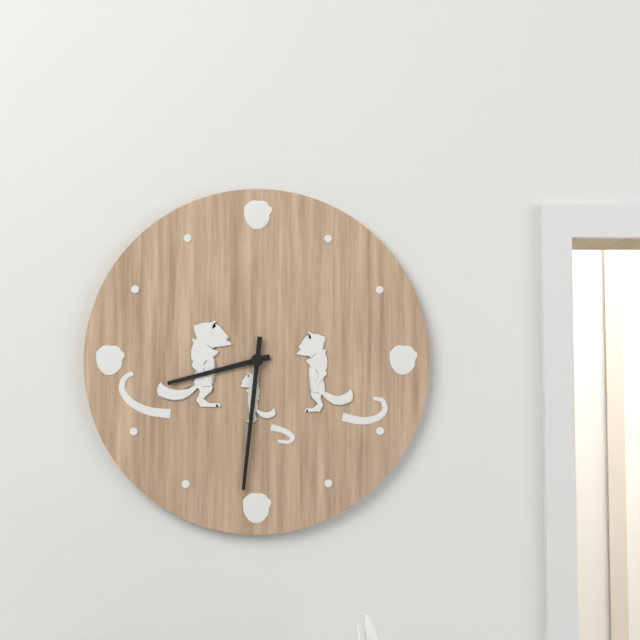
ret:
{"hour": 8, "minute": 31}
